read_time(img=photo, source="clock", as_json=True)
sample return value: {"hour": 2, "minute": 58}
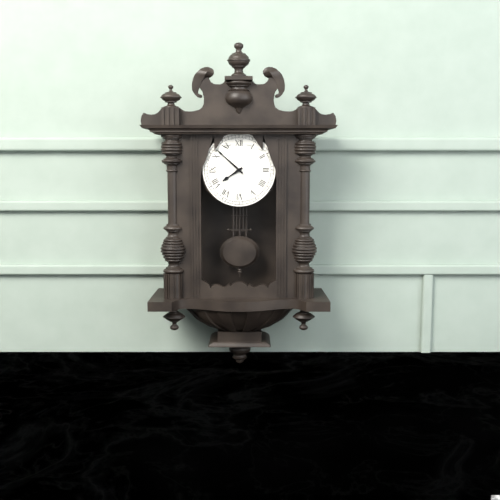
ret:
{"hour": 7, "minute": 52}
